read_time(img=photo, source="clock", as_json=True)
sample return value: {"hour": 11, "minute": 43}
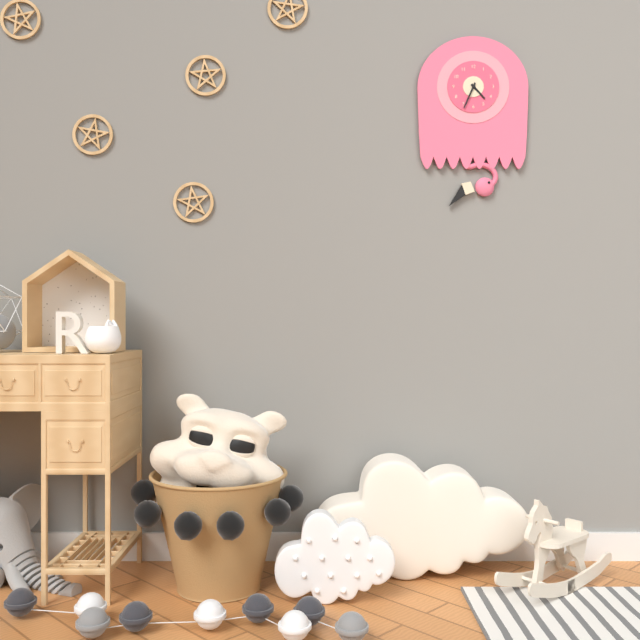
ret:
{"hour": 4, "minute": 34}
